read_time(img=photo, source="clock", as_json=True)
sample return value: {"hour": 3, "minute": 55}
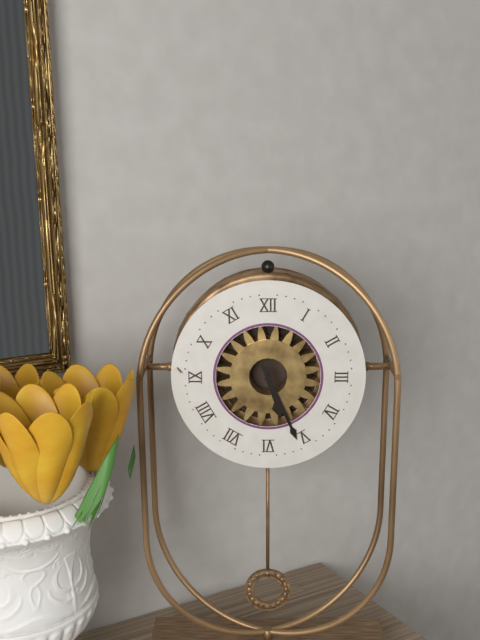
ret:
{"hour": 5, "minute": 26}
